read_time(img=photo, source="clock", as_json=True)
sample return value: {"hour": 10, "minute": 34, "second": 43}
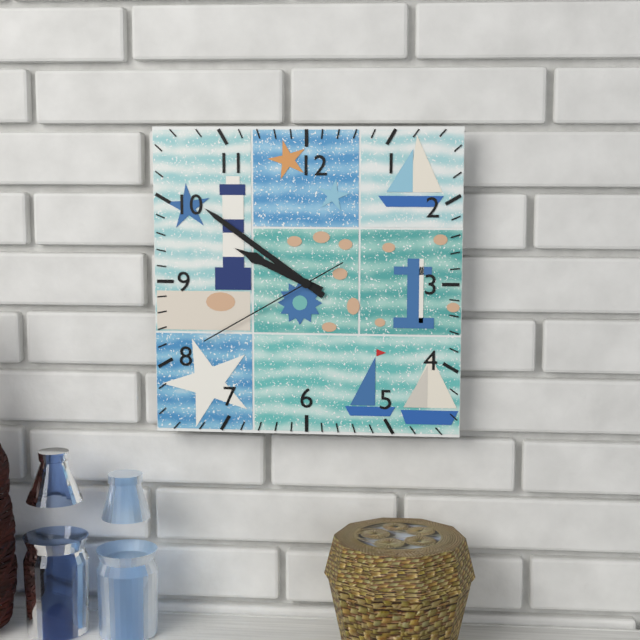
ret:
{"hour": 9, "minute": 51, "second": 40}
